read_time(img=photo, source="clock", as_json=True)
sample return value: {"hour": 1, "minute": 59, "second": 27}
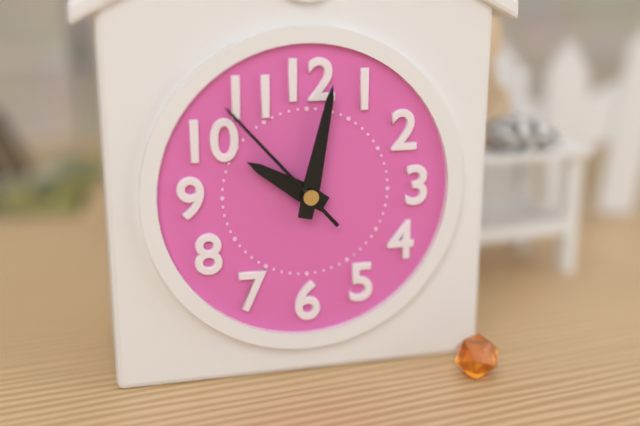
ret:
{"hour": 10, "minute": 2, "second": 53}
